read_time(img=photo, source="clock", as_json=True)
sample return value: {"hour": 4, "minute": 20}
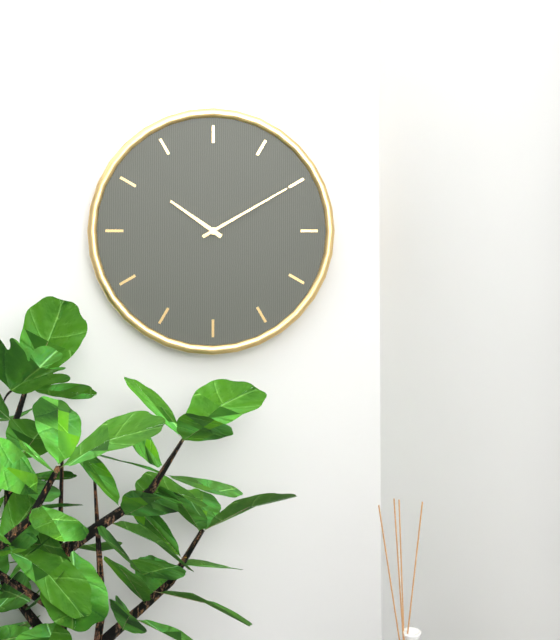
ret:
{"hour": 10, "minute": 10}
